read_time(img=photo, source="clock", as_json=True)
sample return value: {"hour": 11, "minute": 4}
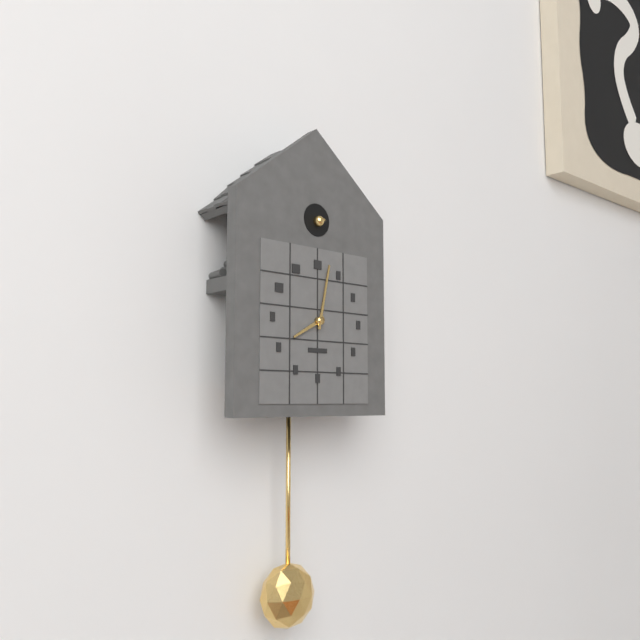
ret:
{"hour": 8, "minute": 2}
